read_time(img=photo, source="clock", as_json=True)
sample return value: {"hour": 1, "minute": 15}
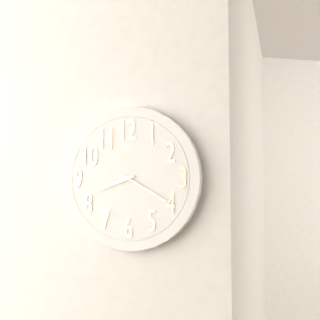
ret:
{"hour": 8, "minute": 20}
